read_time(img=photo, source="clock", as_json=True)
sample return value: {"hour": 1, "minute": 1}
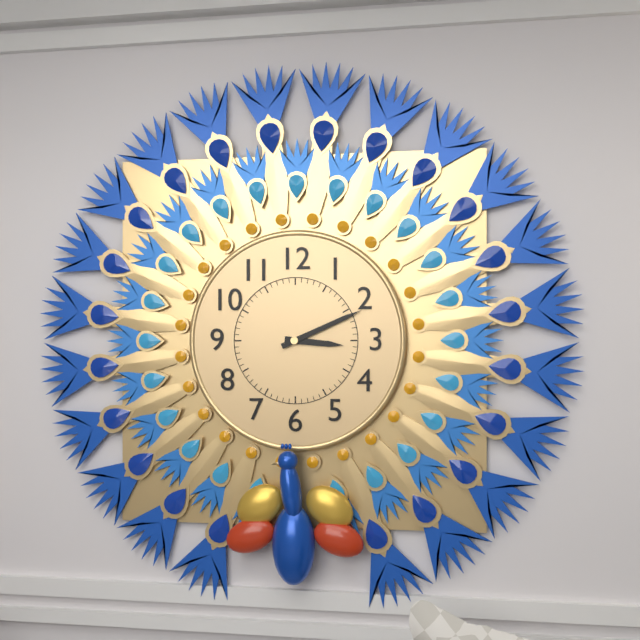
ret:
{"hour": 3, "minute": 11}
